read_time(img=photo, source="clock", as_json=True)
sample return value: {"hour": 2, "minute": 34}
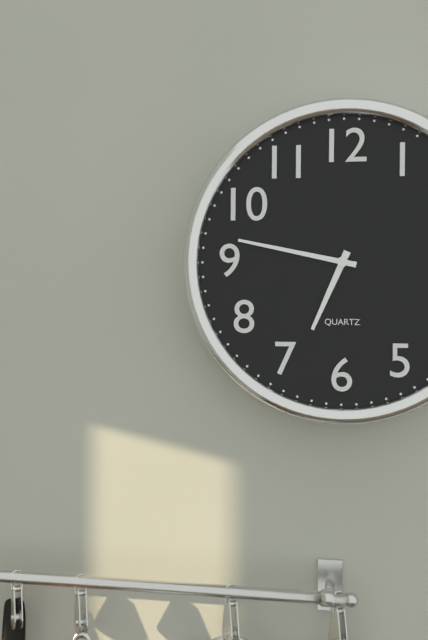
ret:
{"hour": 6, "minute": 47}
